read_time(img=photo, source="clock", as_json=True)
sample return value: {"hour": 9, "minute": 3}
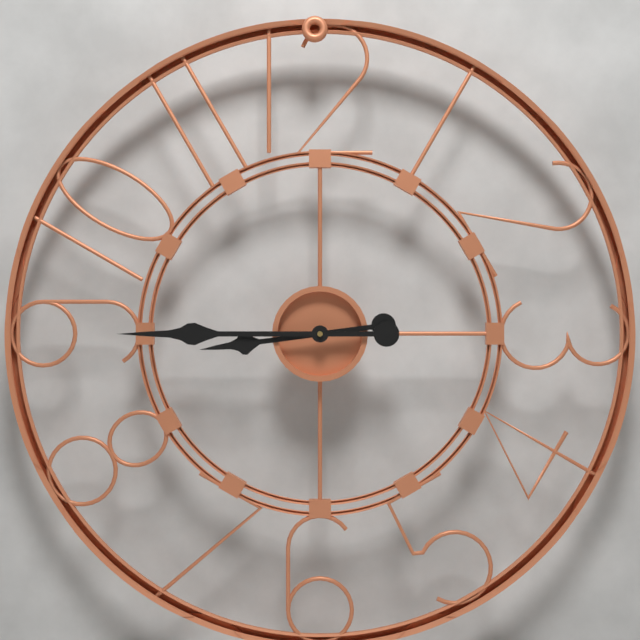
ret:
{"hour": 8, "minute": 45}
